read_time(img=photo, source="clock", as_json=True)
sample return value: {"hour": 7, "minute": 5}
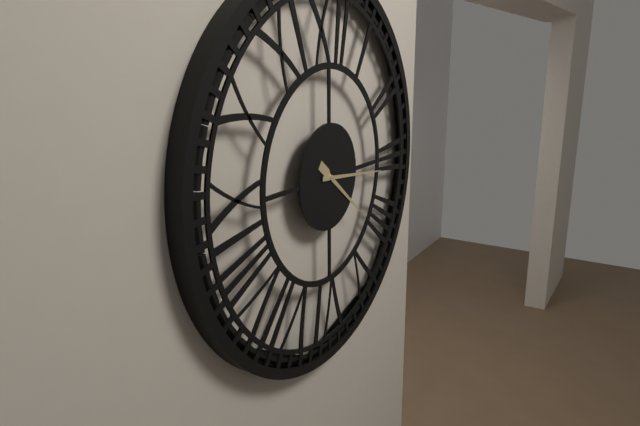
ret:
{"hour": 4, "minute": 16}
